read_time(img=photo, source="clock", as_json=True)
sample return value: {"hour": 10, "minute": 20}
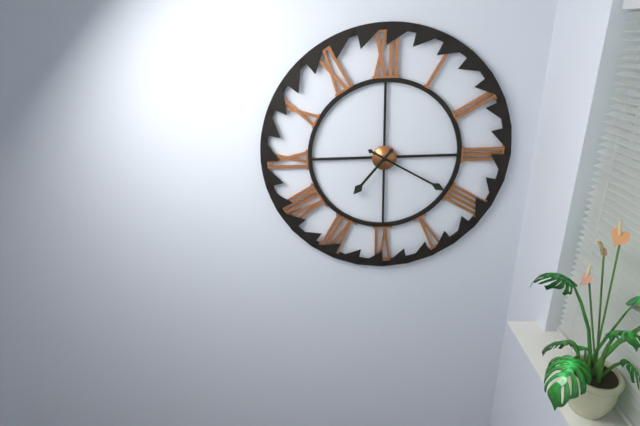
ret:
{"hour": 7, "minute": 20}
